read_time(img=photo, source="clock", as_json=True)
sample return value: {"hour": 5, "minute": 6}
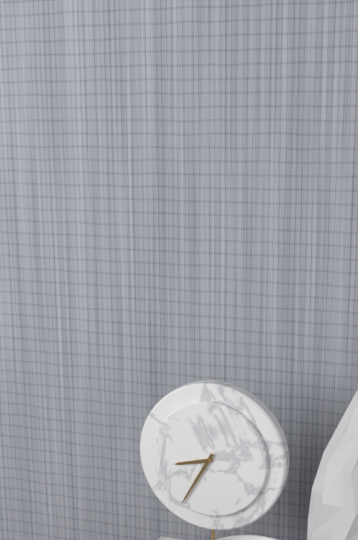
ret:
{"hour": 8, "minute": 35}
